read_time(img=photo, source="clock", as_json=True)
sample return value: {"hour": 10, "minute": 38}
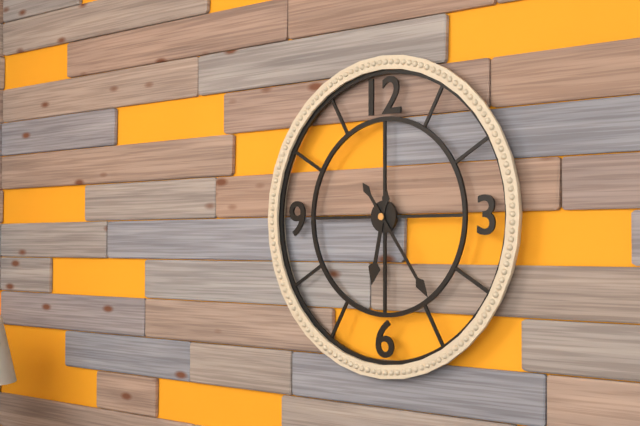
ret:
{"hour": 6, "minute": 24}
